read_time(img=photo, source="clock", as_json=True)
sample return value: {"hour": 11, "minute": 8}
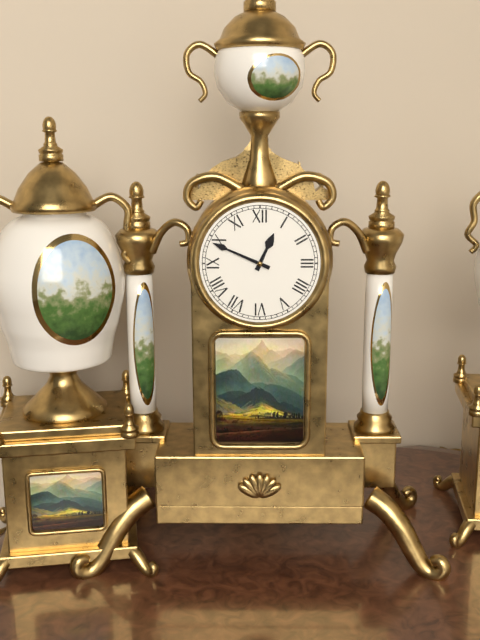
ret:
{"hour": 12, "minute": 49}
